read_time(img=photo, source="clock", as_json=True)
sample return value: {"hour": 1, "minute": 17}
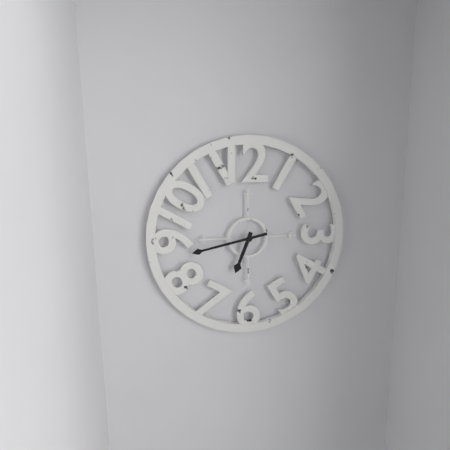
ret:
{"hour": 6, "minute": 43}
